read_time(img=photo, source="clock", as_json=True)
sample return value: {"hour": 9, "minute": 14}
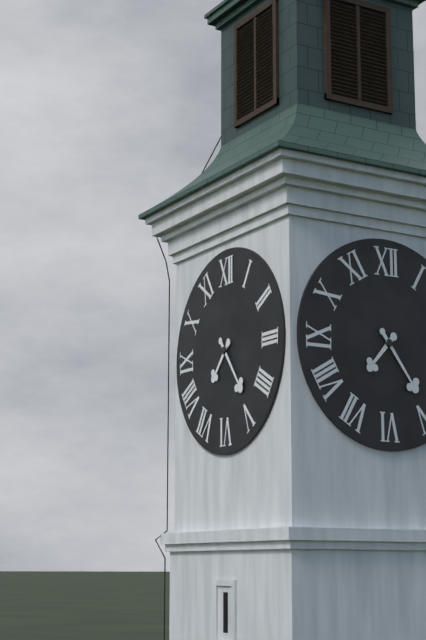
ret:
{"hour": 7, "minute": 24}
